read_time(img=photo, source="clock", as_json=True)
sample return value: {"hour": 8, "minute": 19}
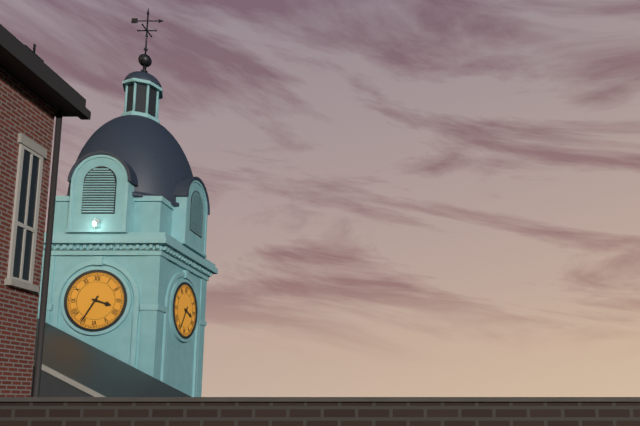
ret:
{"hour": 3, "minute": 35}
